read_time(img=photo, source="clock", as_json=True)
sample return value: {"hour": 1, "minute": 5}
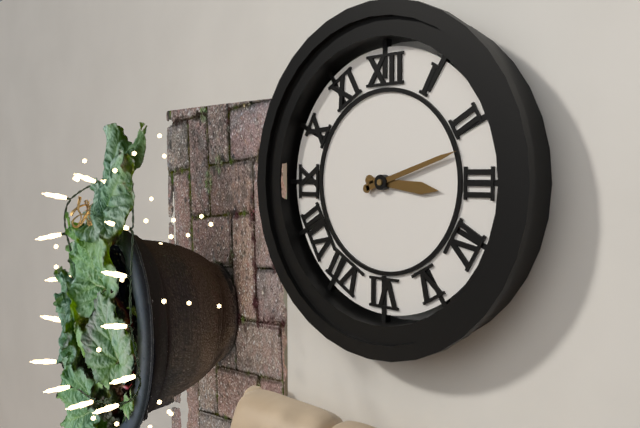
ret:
{"hour": 3, "minute": 12}
